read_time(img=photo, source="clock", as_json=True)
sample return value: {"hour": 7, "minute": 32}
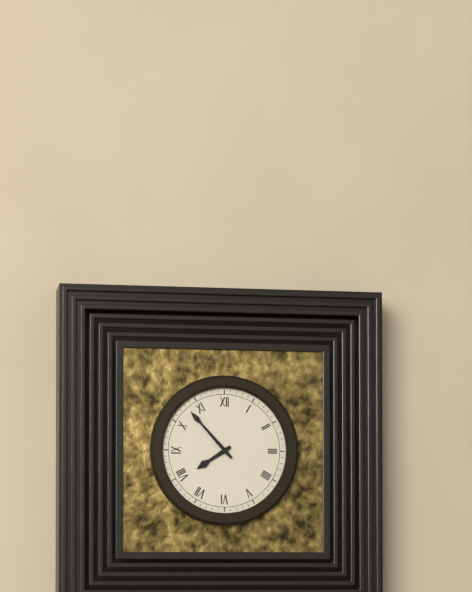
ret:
{"hour": 7, "minute": 53}
